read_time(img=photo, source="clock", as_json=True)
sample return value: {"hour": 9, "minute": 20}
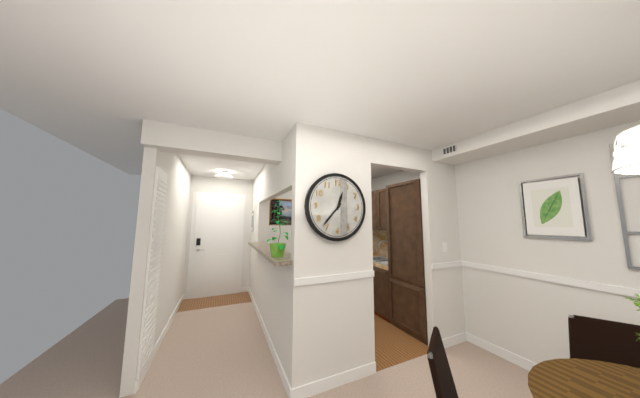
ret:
{"hour": 12, "minute": 37}
